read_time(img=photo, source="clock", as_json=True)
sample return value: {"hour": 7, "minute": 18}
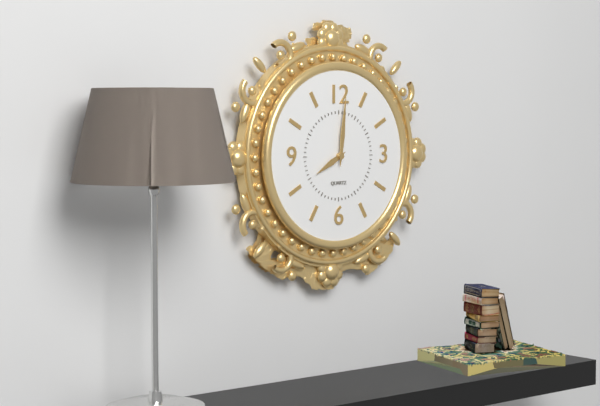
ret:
{"hour": 8, "minute": 1}
